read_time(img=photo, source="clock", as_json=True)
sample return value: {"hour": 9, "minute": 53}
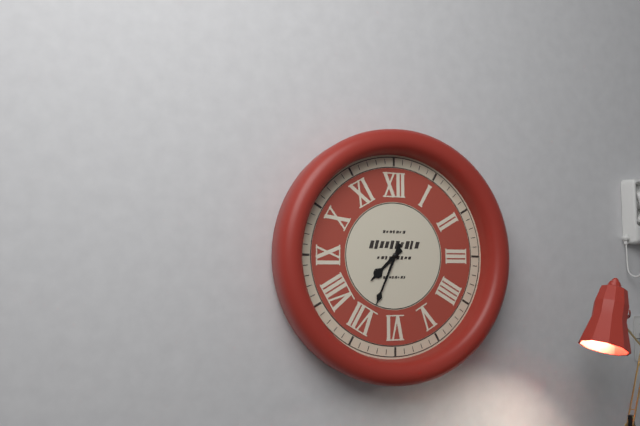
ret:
{"hour": 7, "minute": 34}
